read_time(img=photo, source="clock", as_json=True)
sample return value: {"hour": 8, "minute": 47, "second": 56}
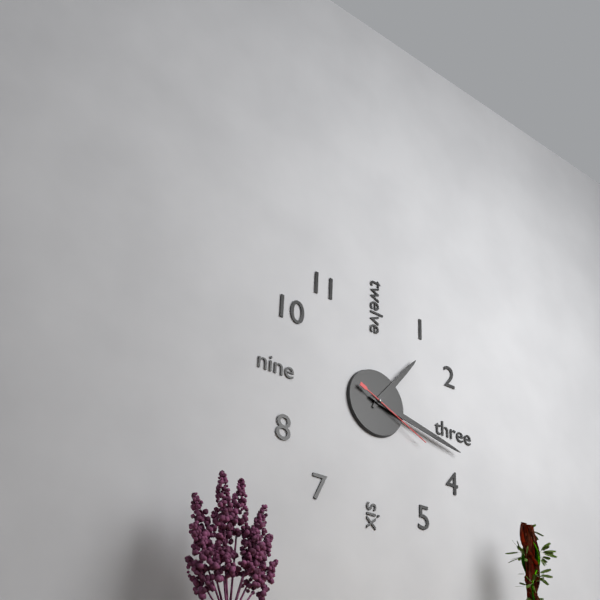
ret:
{"hour": 1, "minute": 17, "second": 19}
